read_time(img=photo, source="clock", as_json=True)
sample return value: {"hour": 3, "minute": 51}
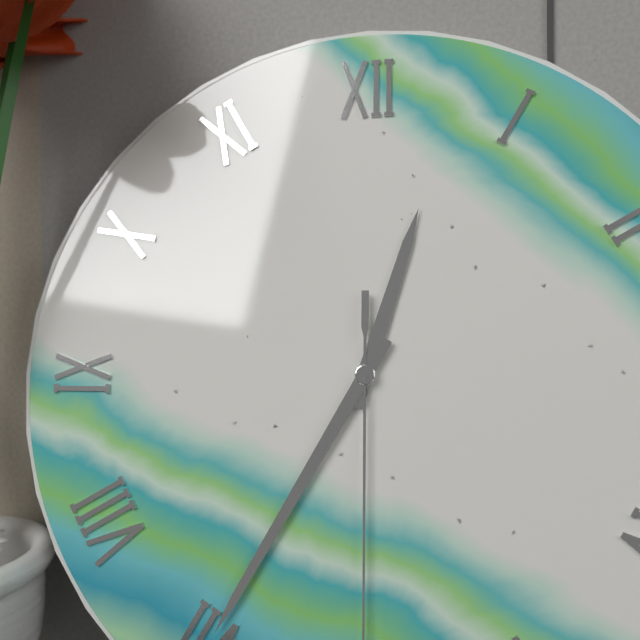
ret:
{"hour": 12, "minute": 35}
